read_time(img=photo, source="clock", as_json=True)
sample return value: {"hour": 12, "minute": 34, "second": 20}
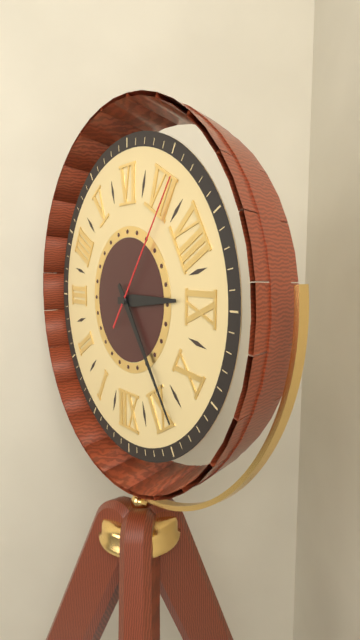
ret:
{"hour": 8, "minute": 54, "second": 36}
